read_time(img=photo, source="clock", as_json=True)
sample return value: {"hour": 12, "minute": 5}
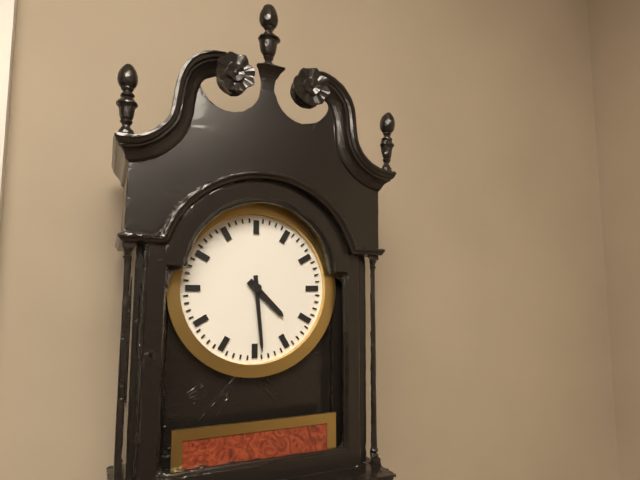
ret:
{"hour": 4, "minute": 29}
